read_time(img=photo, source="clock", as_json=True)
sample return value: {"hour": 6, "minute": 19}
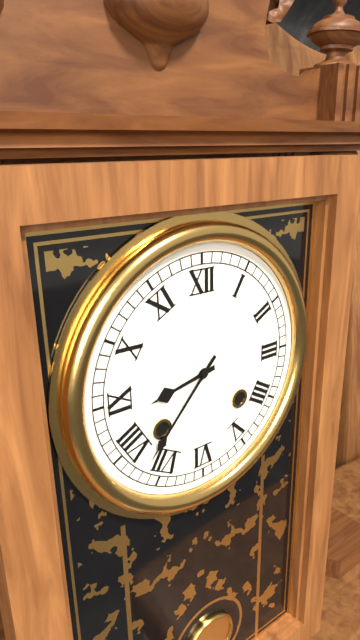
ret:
{"hour": 8, "minute": 37}
